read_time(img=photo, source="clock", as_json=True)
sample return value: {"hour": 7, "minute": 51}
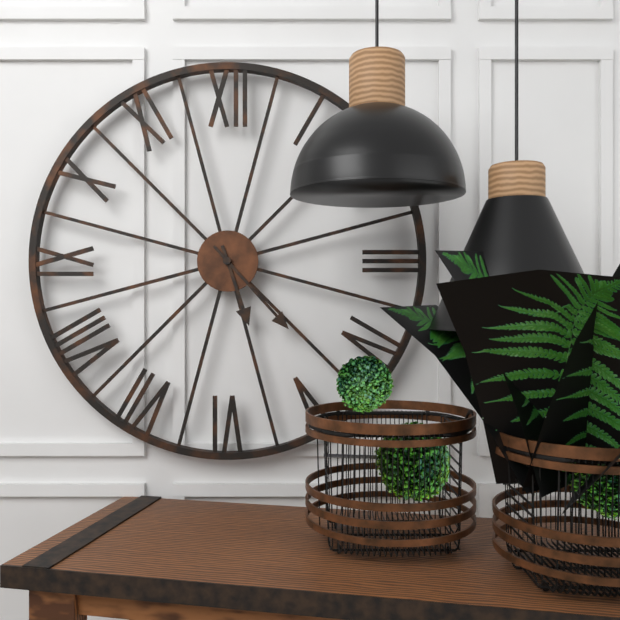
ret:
{"hour": 5, "minute": 23}
